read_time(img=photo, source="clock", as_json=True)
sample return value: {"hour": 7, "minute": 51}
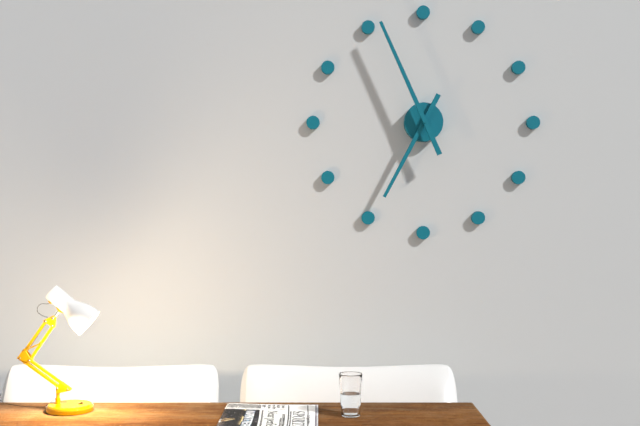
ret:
{"hour": 6, "minute": 56}
